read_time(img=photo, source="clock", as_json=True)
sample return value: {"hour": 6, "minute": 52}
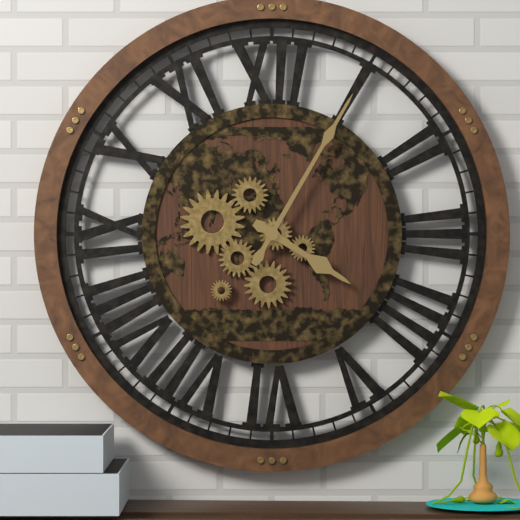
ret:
{"hour": 4, "minute": 5}
